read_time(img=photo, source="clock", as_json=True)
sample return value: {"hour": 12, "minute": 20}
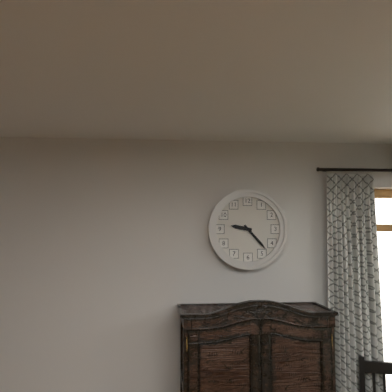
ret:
{"hour": 9, "minute": 23}
